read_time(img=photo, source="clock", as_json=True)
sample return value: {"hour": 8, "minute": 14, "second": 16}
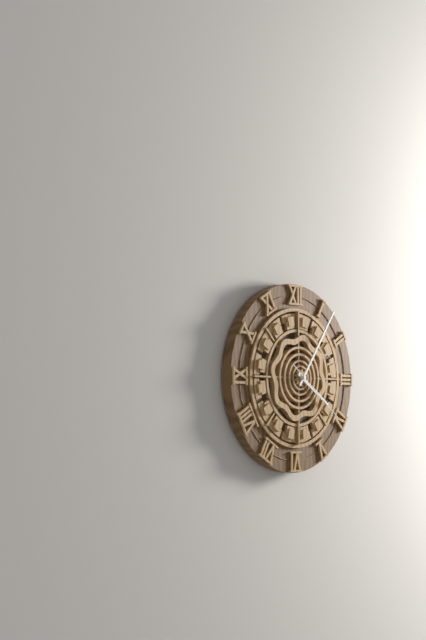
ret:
{"hour": 4, "minute": 6, "second": 21}
